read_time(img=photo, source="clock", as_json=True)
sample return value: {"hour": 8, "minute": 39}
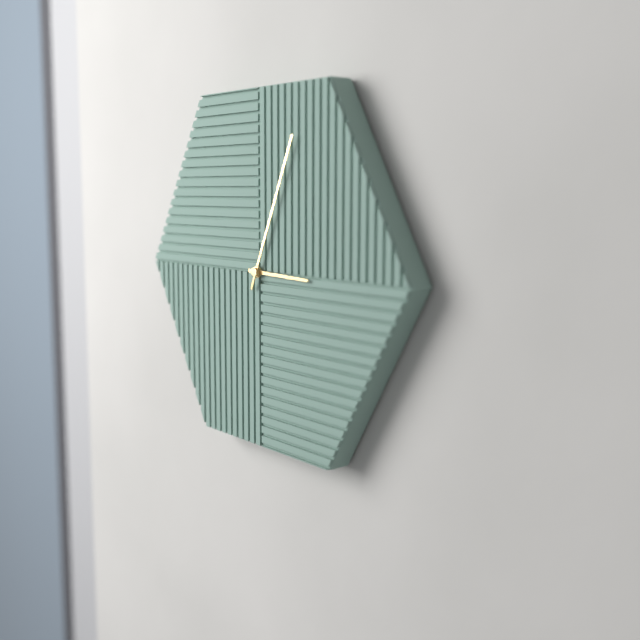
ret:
{"hour": 3, "minute": 4}
